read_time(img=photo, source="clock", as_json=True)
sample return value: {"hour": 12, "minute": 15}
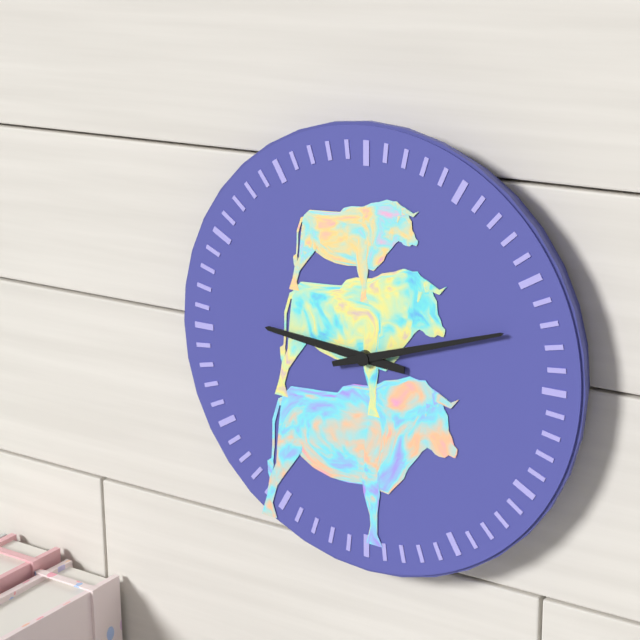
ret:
{"hour": 9, "minute": 12}
